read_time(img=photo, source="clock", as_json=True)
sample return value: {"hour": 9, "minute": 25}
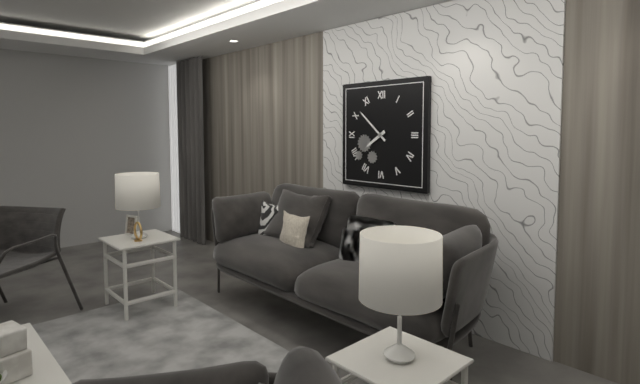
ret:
{"hour": 7, "minute": 52}
